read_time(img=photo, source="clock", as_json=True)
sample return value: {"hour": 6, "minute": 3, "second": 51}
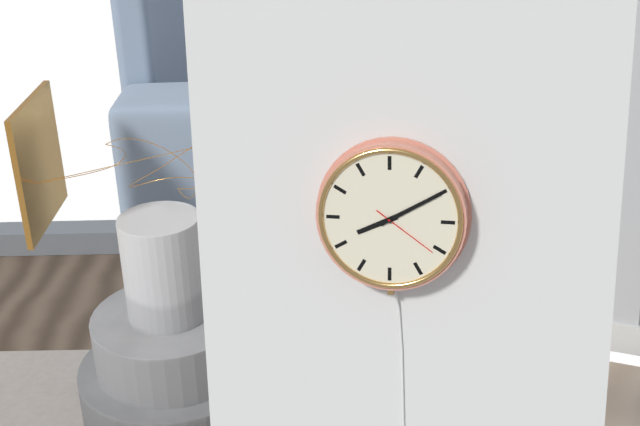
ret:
{"hour": 8, "minute": 10, "second": 21}
